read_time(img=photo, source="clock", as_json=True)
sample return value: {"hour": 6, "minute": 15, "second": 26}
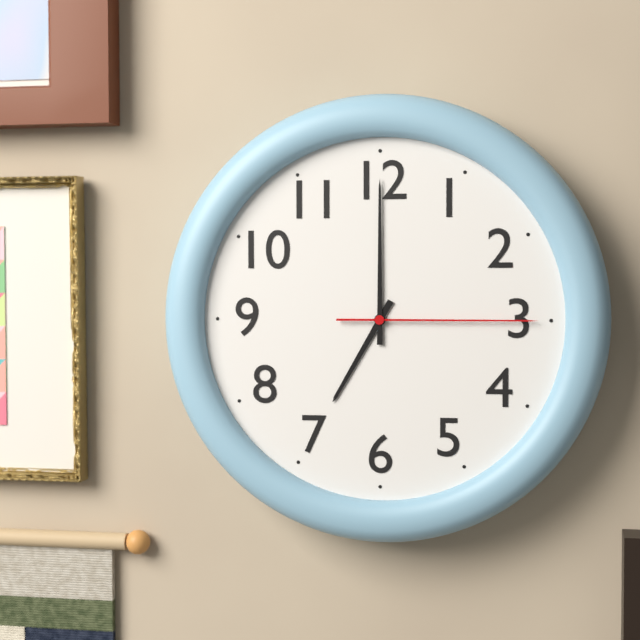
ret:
{"hour": 7, "minute": 0, "second": 15}
